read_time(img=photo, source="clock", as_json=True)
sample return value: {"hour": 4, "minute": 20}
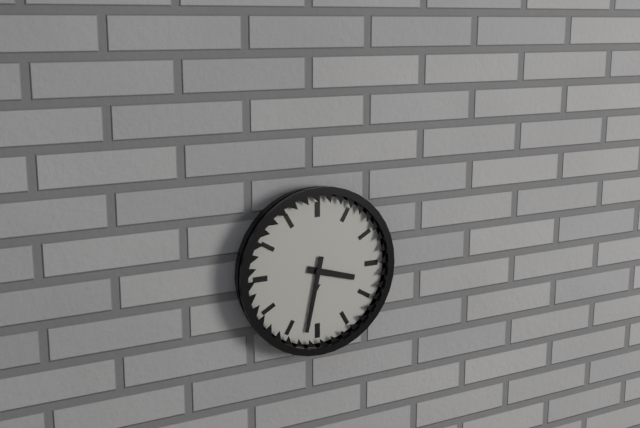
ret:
{"hour": 3, "minute": 32}
